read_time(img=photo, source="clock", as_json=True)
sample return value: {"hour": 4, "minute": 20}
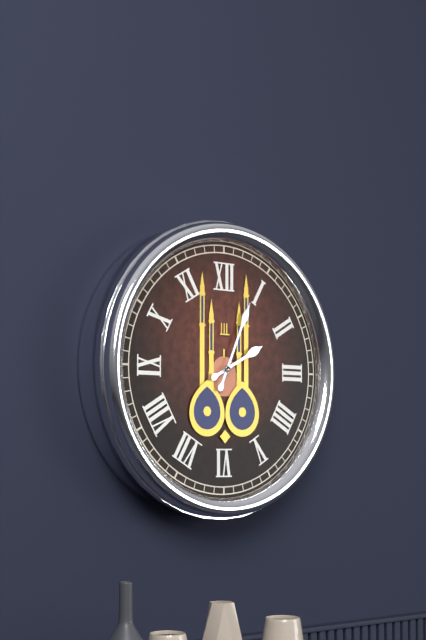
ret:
{"hour": 2, "minute": 4}
